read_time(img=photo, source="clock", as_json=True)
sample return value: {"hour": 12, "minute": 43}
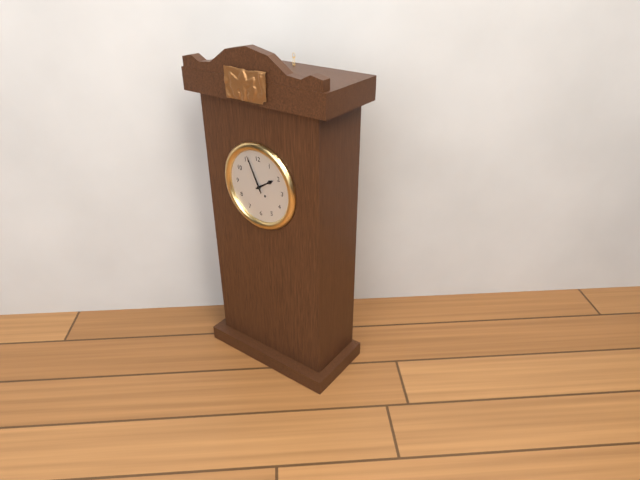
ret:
{"hour": 1, "minute": 56}
